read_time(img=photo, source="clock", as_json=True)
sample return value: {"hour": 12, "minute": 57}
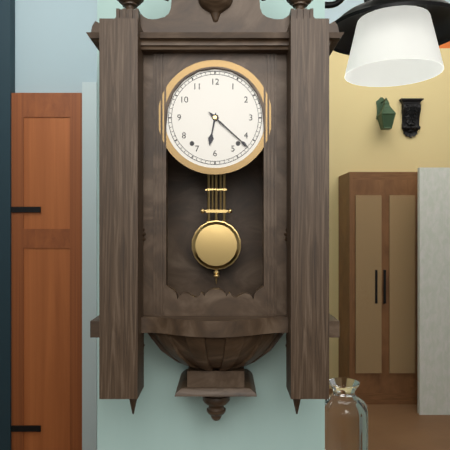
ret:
{"hour": 6, "minute": 22}
